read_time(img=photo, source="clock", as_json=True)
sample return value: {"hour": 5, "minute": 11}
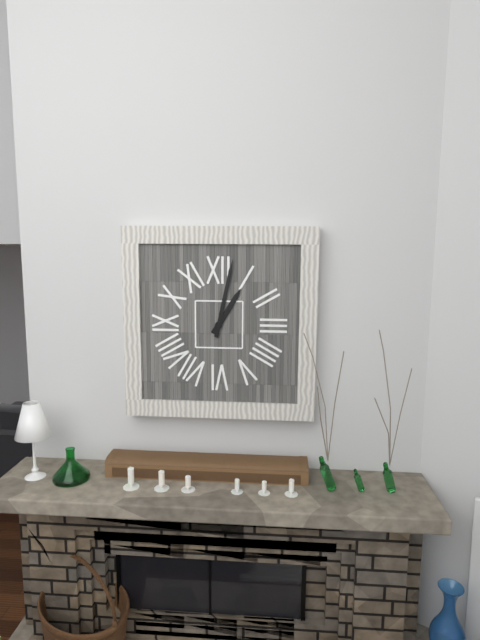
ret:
{"hour": 1, "minute": 2}
